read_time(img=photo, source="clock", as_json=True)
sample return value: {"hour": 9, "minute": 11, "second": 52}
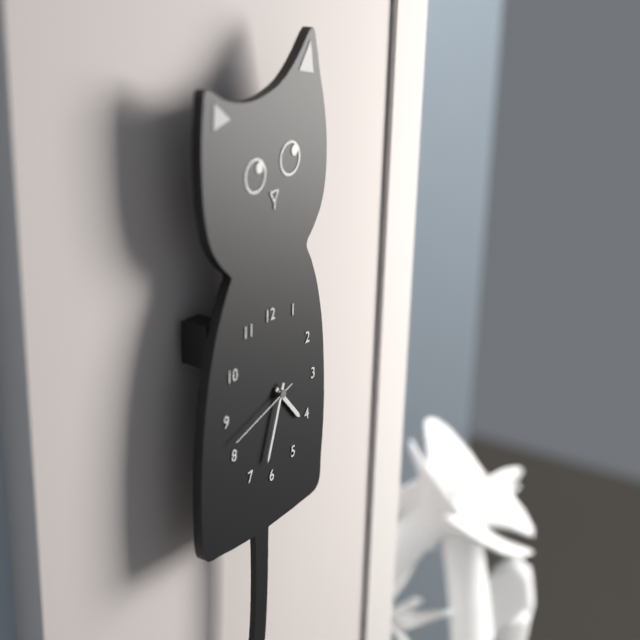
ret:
{"hour": 4, "minute": 33, "second": 42}
